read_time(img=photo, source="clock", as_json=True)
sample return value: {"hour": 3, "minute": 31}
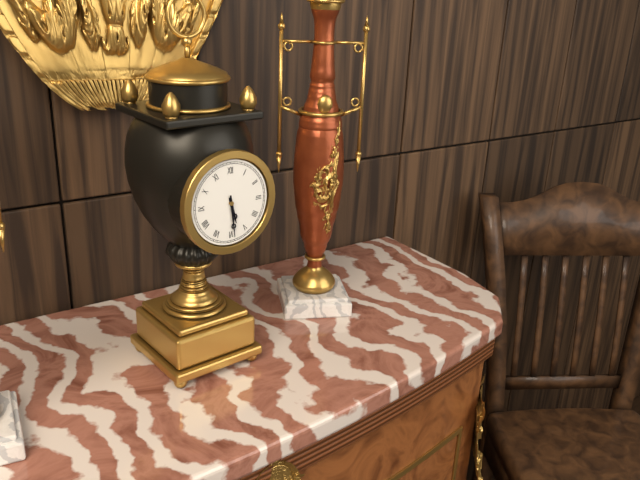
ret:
{"hour": 5, "minute": 29}
